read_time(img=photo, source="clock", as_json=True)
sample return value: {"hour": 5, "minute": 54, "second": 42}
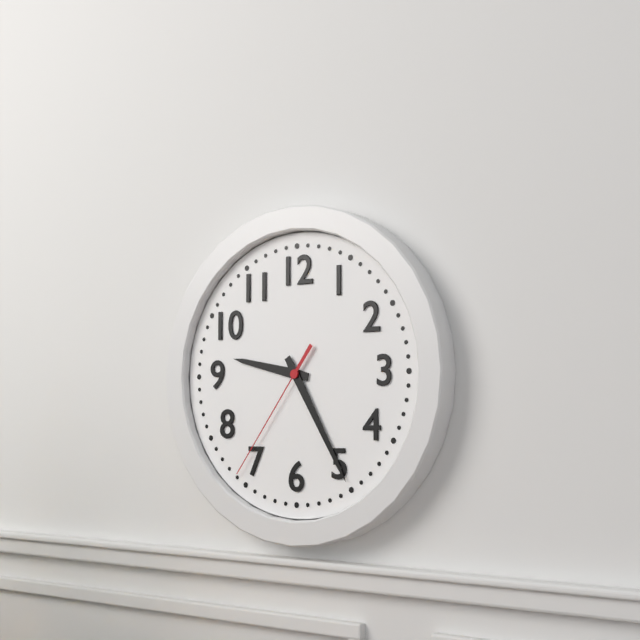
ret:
{"hour": 9, "minute": 25, "second": 36}
